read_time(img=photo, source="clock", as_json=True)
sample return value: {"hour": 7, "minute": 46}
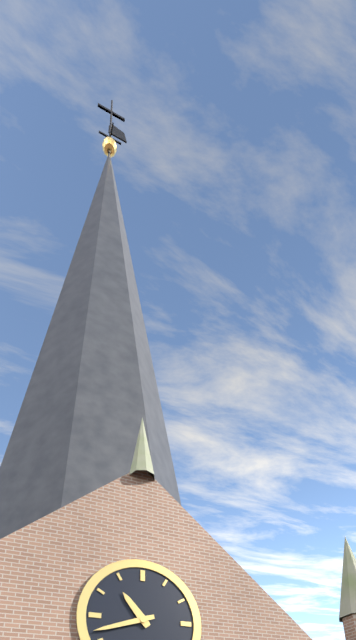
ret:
{"hour": 10, "minute": 42}
